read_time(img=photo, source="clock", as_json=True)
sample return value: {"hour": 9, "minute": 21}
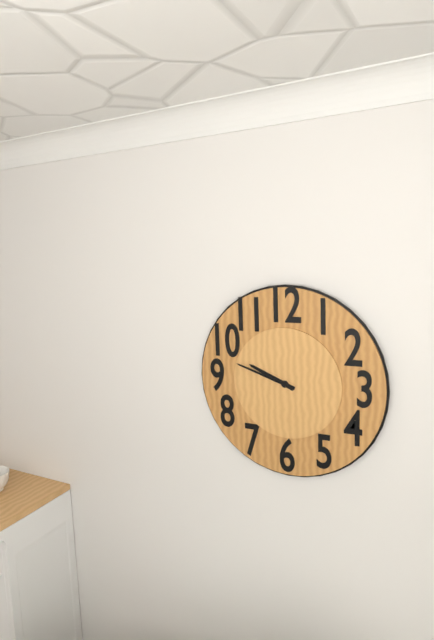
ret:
{"hour": 9, "minute": 48}
